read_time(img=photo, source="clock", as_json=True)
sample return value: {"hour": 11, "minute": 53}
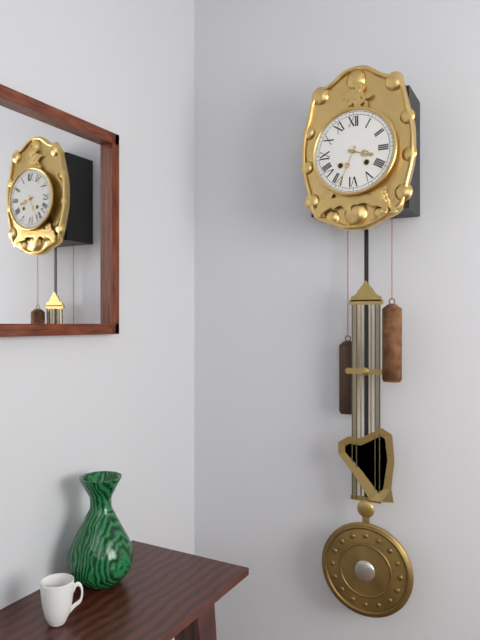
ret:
{"hour": 3, "minute": 34}
